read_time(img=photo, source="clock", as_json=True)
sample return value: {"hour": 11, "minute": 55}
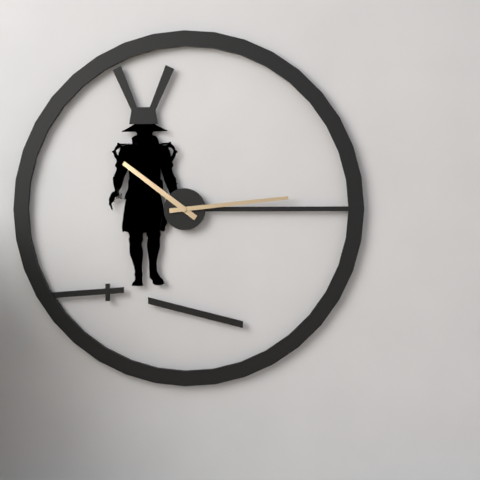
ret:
{"hour": 10, "minute": 14}
